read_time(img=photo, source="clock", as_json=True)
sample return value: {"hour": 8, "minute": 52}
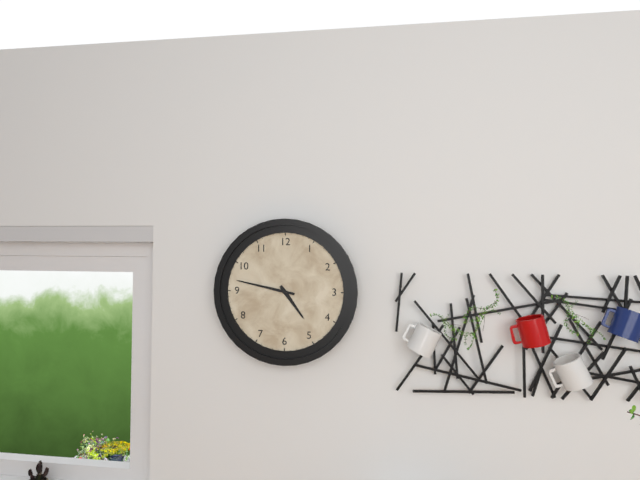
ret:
{"hour": 4, "minute": 47}
